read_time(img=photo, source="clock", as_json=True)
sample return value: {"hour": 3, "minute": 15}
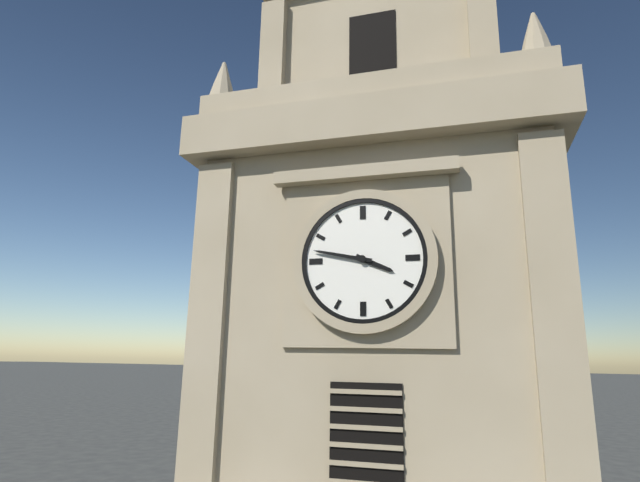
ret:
{"hour": 3, "minute": 47}
